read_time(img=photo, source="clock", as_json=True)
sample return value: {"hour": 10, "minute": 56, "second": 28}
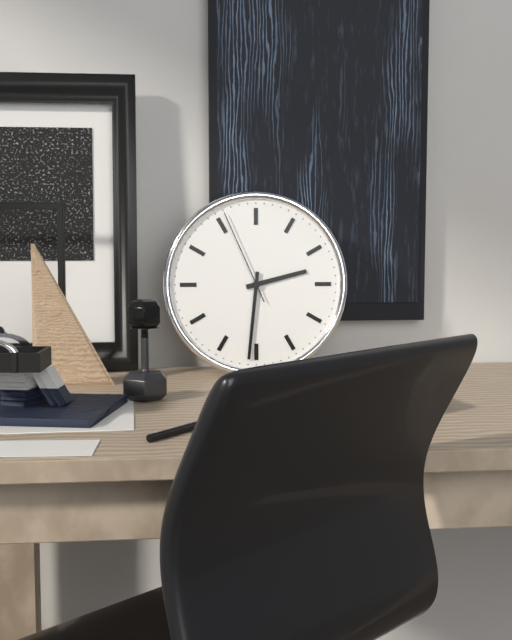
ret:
{"hour": 2, "minute": 31, "second": 56}
